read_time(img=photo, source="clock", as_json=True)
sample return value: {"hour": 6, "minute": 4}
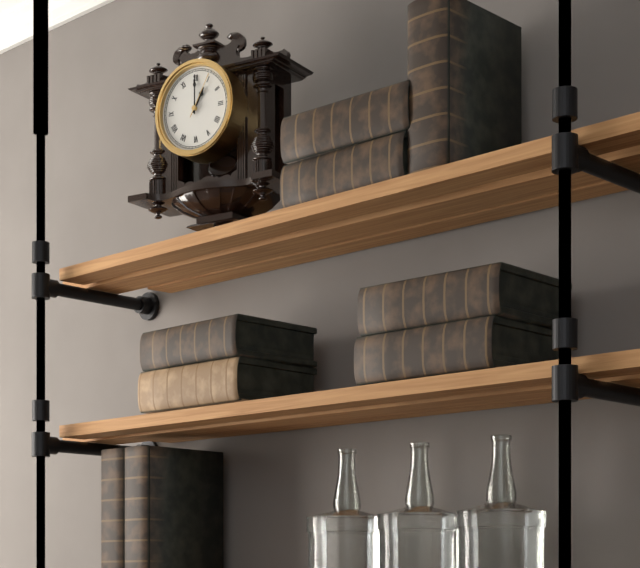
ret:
{"hour": 1, "minute": 0}
